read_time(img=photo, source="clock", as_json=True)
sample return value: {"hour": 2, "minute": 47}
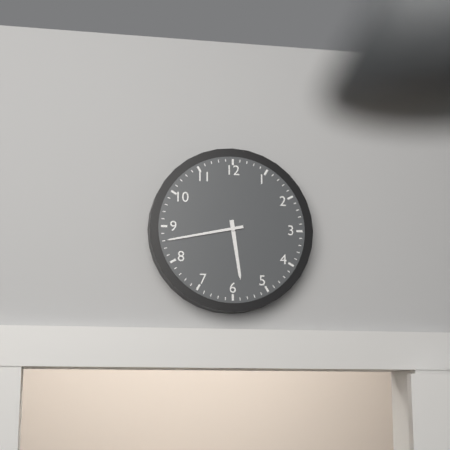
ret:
{"hour": 5, "minute": 43}
